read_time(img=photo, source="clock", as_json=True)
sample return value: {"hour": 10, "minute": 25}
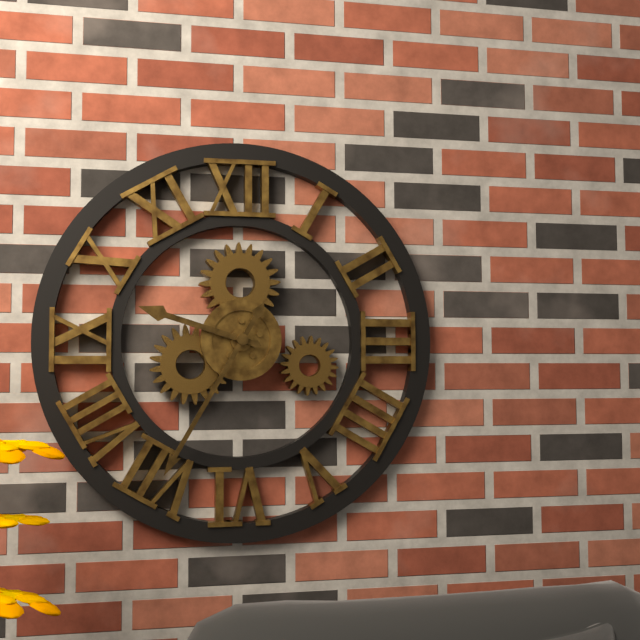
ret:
{"hour": 9, "minute": 35}
